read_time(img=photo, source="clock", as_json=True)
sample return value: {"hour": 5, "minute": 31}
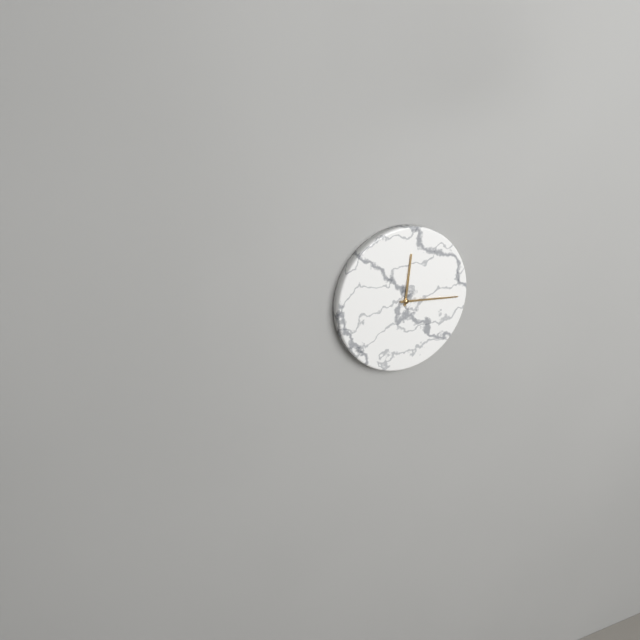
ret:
{"hour": 12, "minute": 16}
